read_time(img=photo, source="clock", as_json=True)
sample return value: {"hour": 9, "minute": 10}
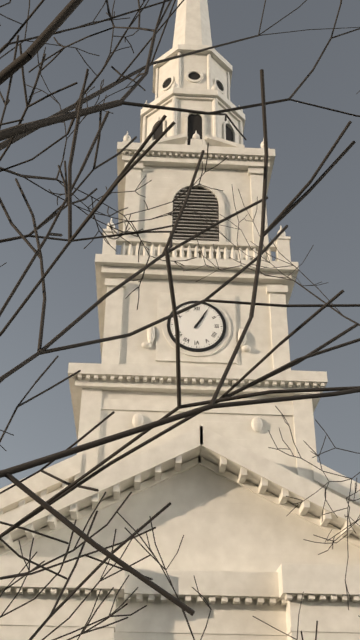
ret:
{"hour": 1, "minute": 5}
